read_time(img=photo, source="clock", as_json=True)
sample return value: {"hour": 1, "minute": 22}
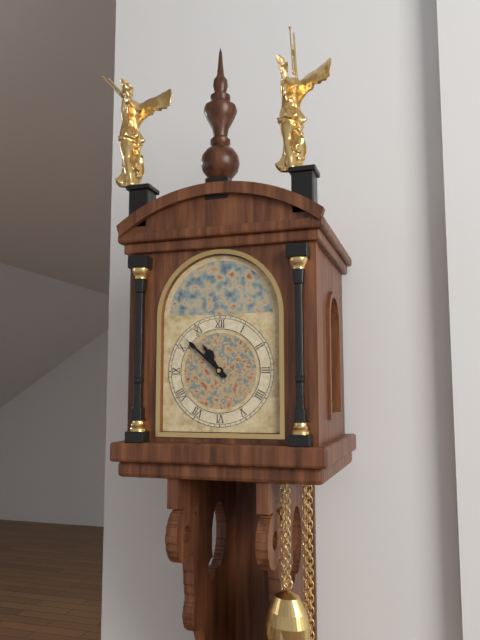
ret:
{"hour": 10, "minute": 52}
